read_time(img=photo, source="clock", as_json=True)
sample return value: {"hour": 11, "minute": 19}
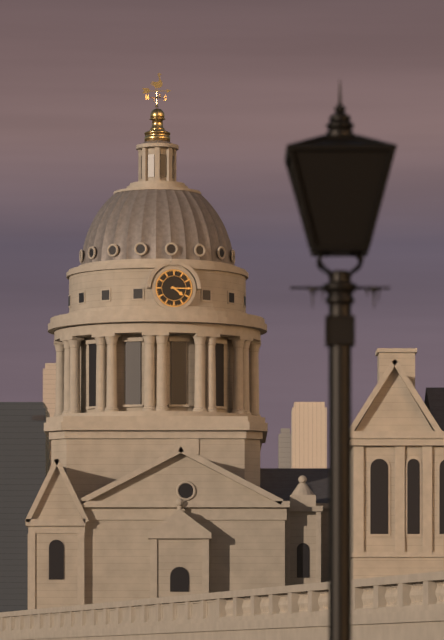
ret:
{"hour": 4, "minute": 15}
